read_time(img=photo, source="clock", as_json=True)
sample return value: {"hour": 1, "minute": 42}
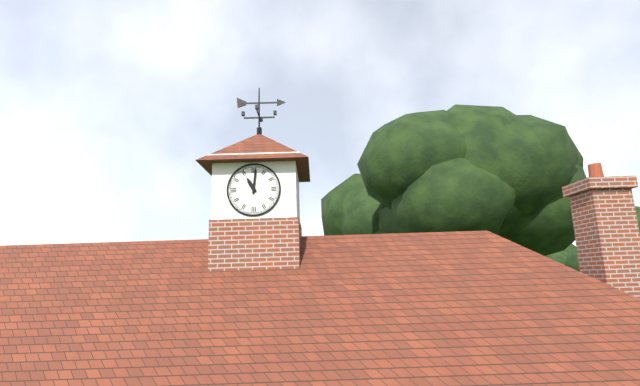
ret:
{"hour": 11, "minute": 1}
